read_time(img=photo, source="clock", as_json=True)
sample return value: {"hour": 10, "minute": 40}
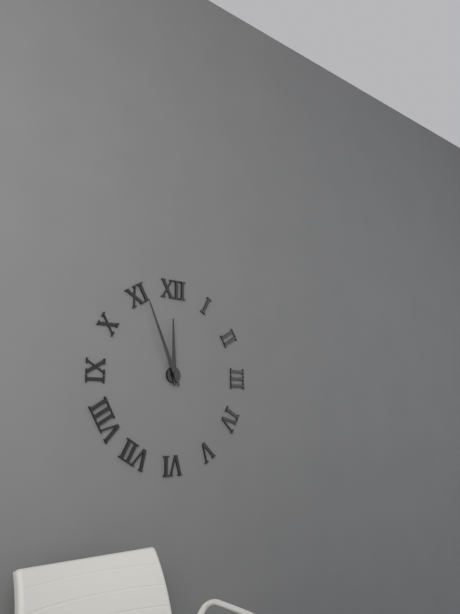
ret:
{"hour": 11, "minute": 56}
